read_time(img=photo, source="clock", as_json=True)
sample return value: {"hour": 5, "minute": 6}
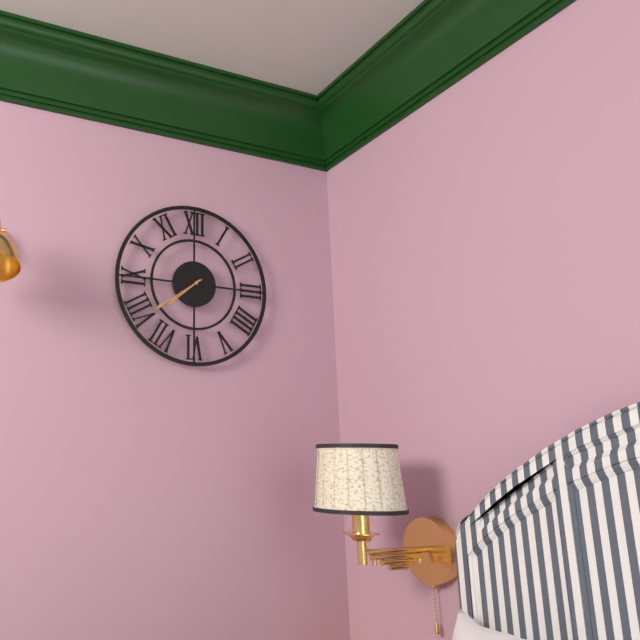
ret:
{"hour": 7, "minute": 39}
